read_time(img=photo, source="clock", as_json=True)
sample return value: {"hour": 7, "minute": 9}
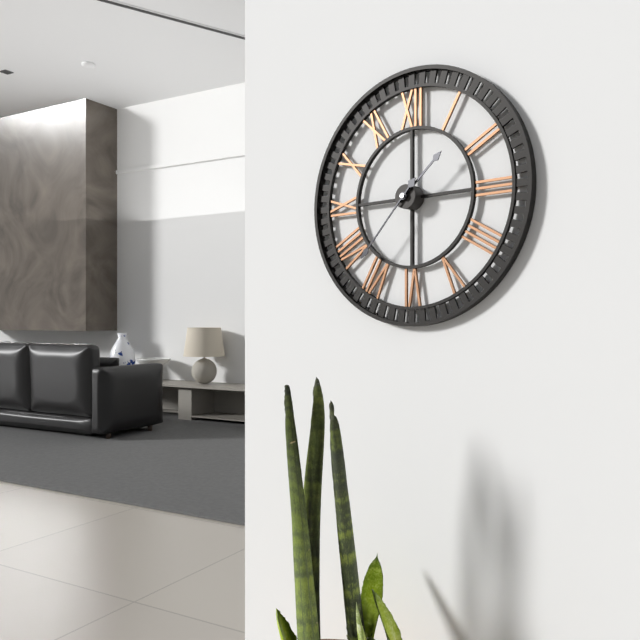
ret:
{"hour": 1, "minute": 37}
